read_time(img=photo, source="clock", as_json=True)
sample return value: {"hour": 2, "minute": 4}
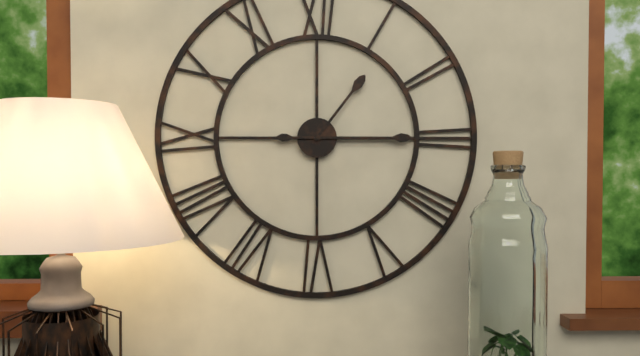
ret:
{"hour": 1, "minute": 15}
